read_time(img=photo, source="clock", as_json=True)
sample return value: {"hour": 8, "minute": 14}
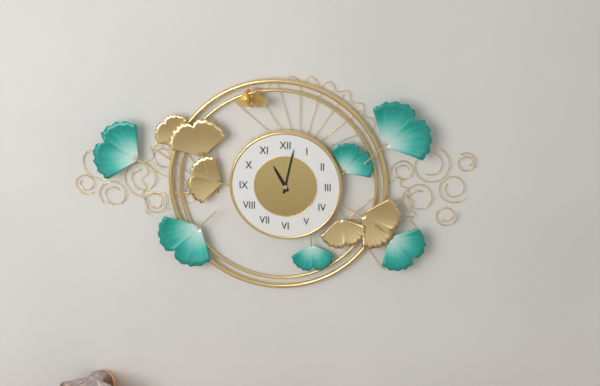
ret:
{"hour": 11, "minute": 2}
